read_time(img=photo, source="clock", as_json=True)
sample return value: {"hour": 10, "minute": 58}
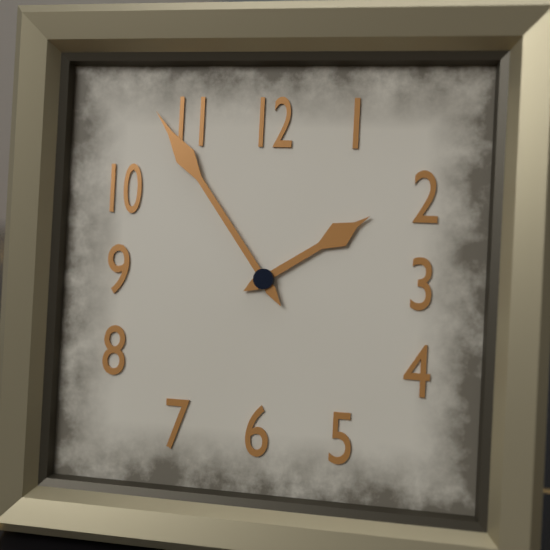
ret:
{"hour": 1, "minute": 54}
